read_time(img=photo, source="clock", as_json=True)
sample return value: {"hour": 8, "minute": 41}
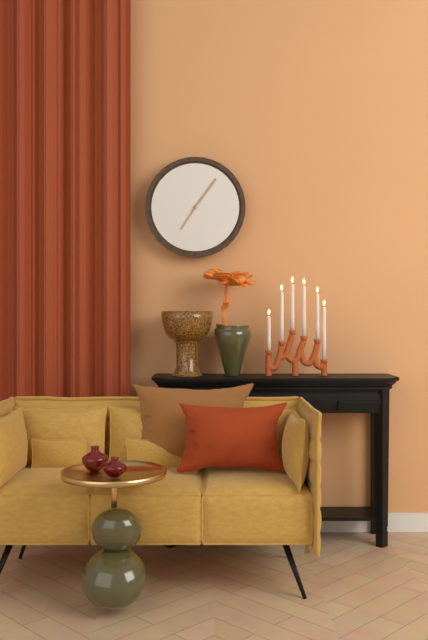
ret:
{"hour": 7, "minute": 6}
